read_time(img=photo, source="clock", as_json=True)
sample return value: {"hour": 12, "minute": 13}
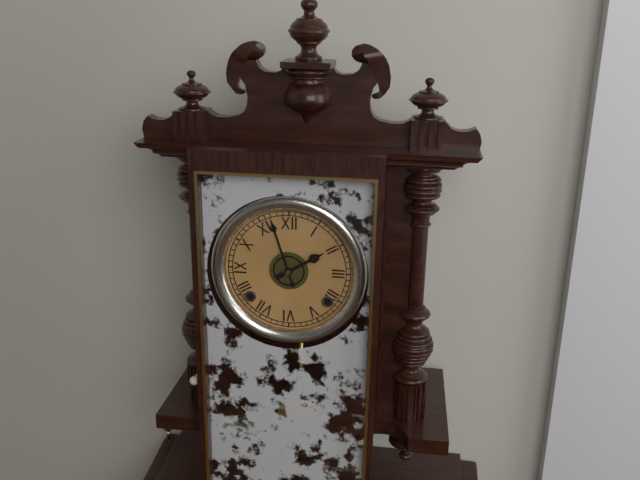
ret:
{"hour": 1, "minute": 57}
